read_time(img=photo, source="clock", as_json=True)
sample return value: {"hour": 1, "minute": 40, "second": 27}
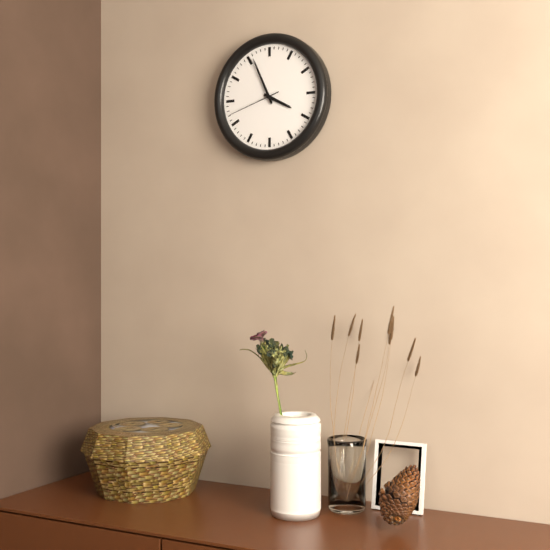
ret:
{"hour": 3, "minute": 56, "second": 42}
